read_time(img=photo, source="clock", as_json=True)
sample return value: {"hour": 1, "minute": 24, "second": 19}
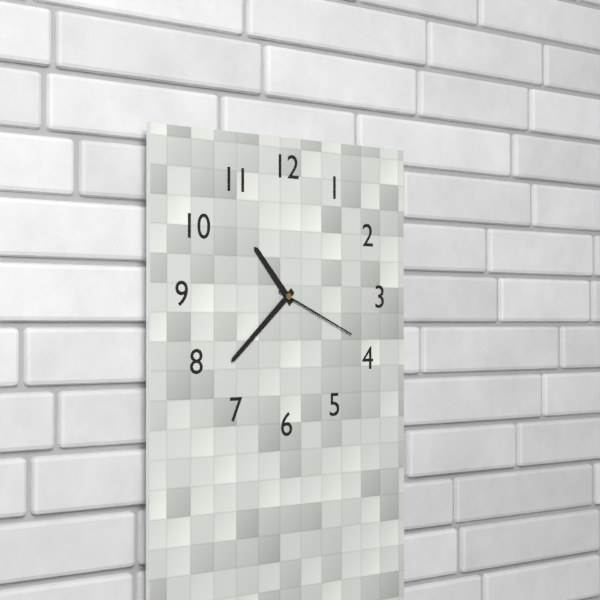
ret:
{"hour": 10, "minute": 38, "second": 19}
